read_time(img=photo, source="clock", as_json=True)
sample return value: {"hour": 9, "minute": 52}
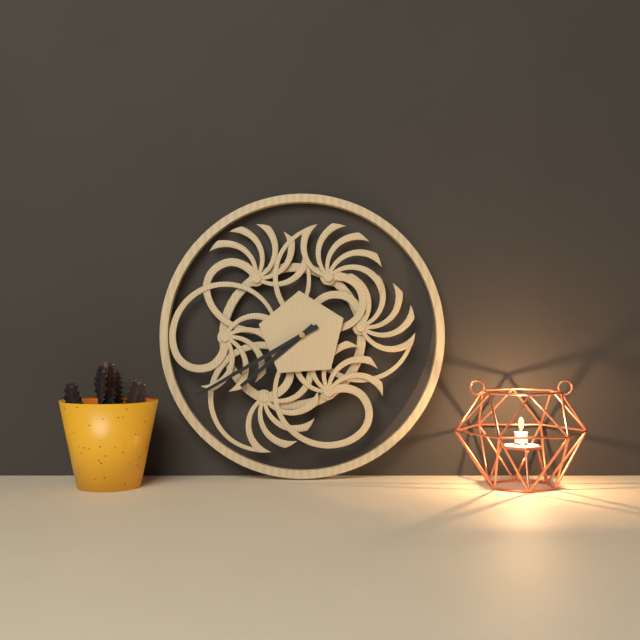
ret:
{"hour": 7, "minute": 40}
